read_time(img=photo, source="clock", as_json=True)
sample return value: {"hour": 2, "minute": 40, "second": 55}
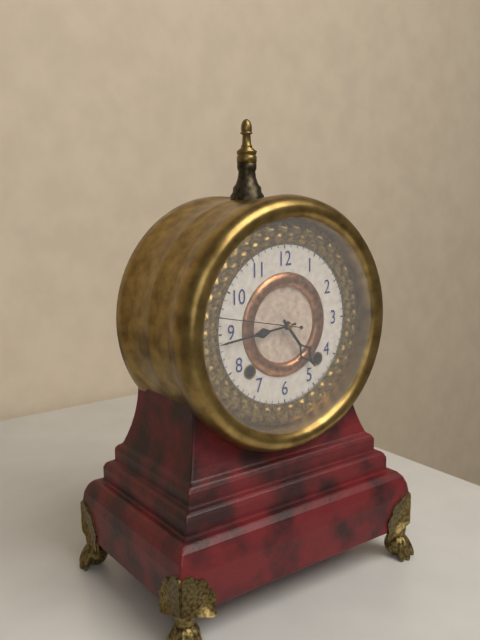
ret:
{"hour": 4, "minute": 44, "second": 47}
